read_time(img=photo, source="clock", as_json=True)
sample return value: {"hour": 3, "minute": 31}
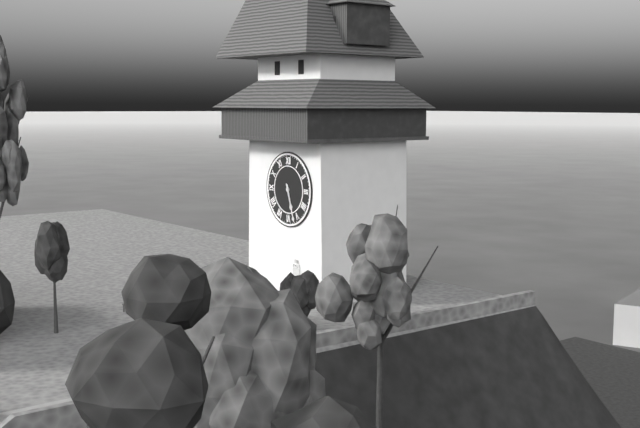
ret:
{"hour": 5, "minute": 27}
